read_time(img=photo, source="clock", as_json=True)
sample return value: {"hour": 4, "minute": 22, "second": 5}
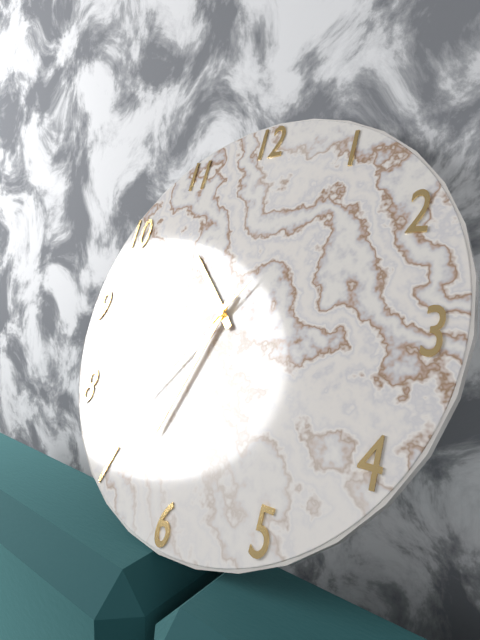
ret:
{"hour": 10, "minute": 33, "second": 36}
